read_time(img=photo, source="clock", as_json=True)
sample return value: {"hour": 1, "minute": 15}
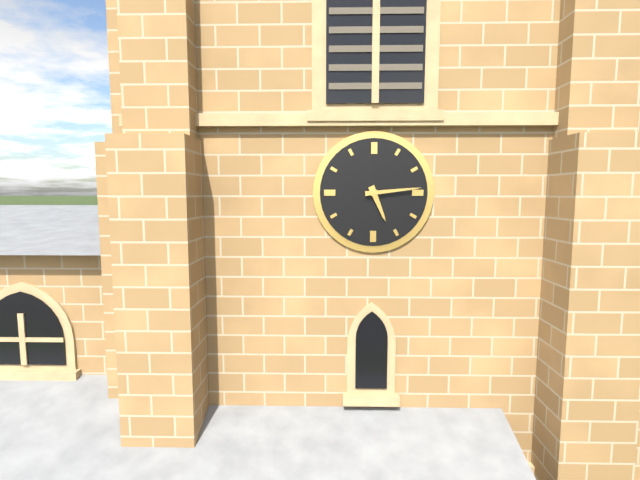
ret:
{"hour": 5, "minute": 14}
